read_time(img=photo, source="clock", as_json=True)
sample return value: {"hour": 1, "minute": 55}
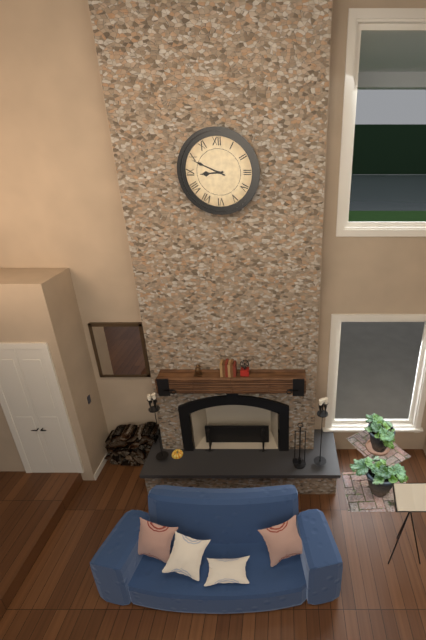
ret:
{"hour": 8, "minute": 49}
